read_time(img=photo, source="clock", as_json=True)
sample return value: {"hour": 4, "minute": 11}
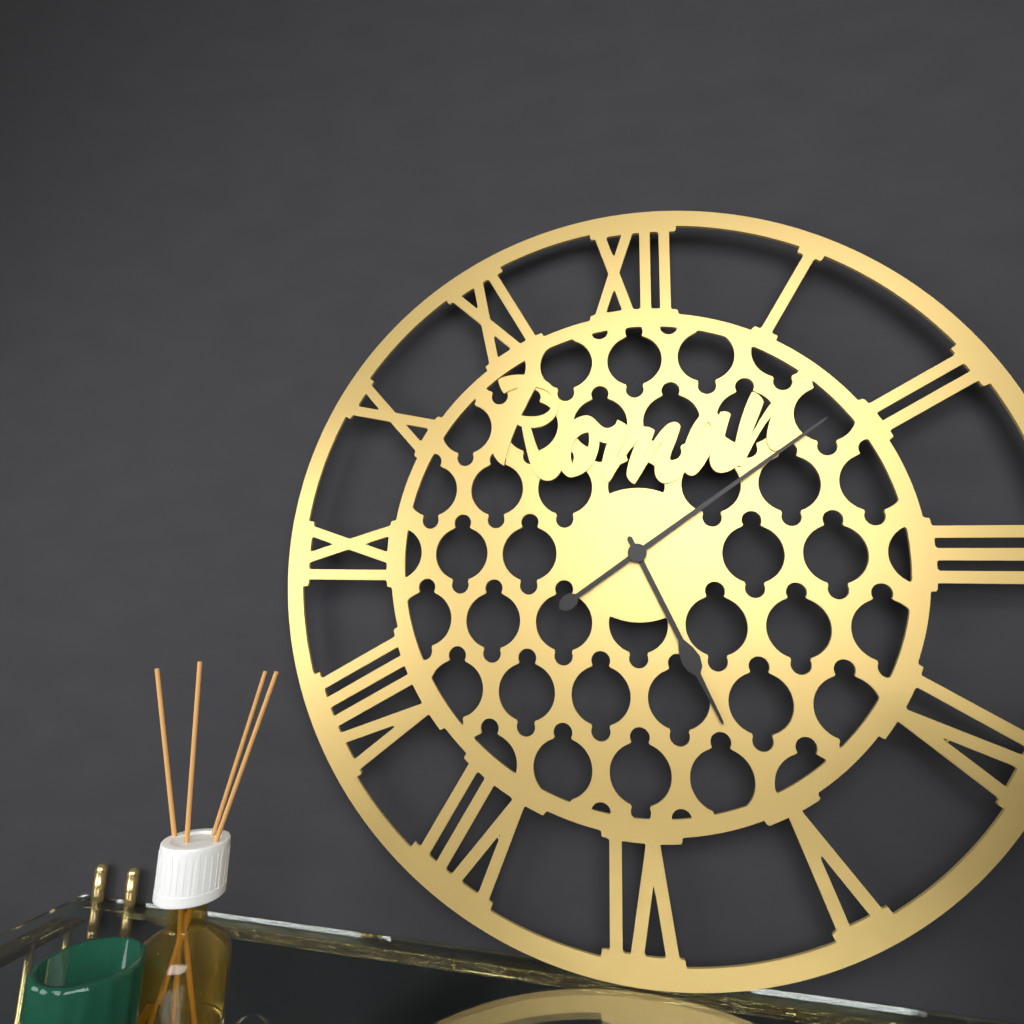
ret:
{"hour": 5, "minute": 9}
